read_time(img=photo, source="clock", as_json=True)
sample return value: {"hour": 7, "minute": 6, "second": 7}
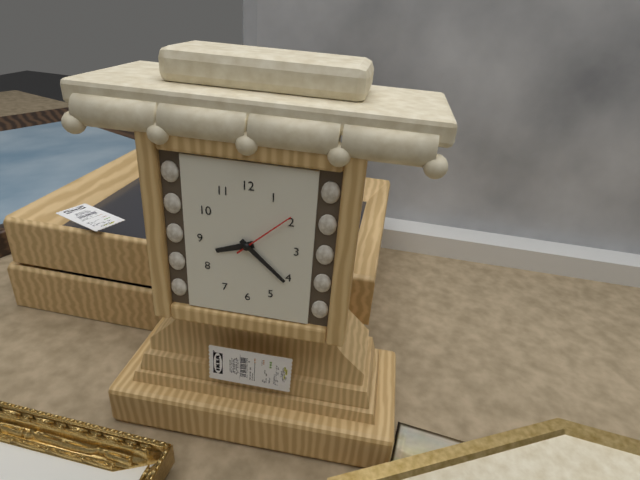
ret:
{"hour": 8, "minute": 22, "second": 8}
